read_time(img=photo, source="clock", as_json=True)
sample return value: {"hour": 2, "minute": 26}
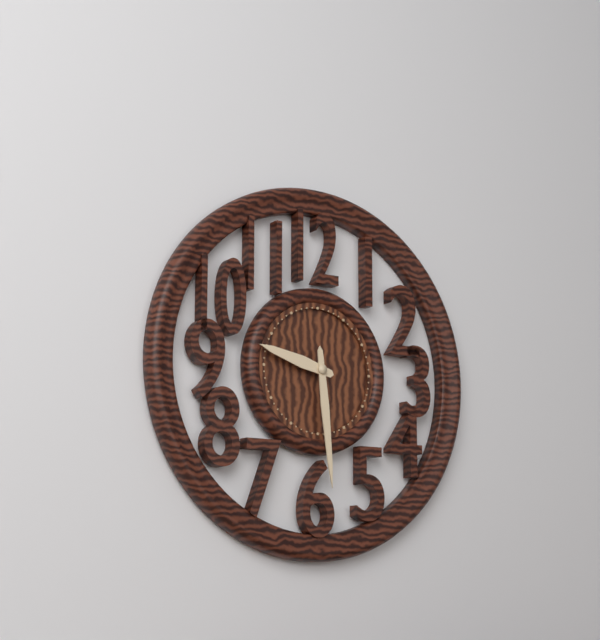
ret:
{"hour": 9, "minute": 29}
